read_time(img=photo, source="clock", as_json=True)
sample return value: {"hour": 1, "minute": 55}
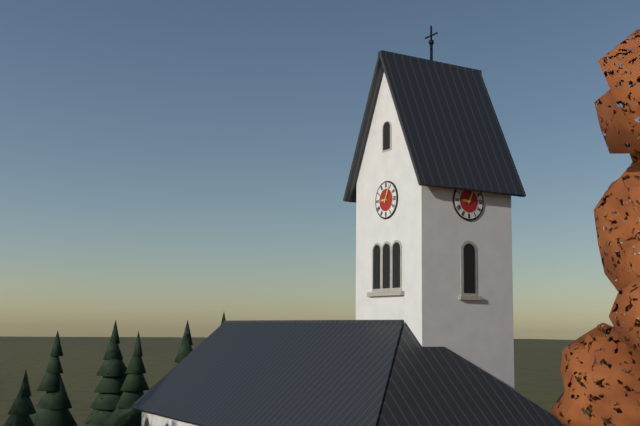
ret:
{"hour": 9, "minute": 4}
